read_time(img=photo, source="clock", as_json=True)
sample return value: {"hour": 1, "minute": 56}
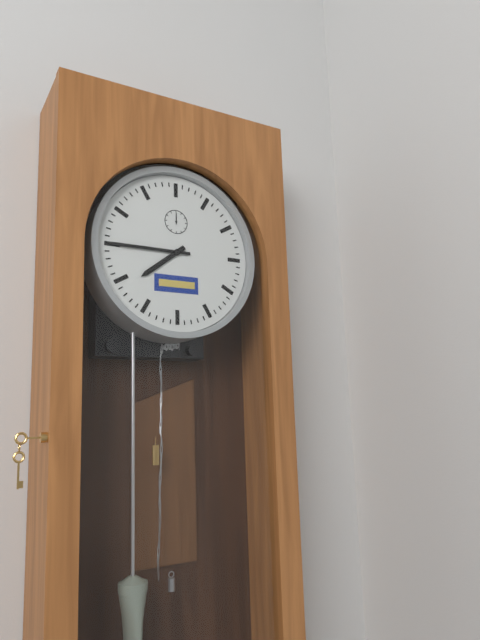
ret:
{"hour": 7, "minute": 45}
